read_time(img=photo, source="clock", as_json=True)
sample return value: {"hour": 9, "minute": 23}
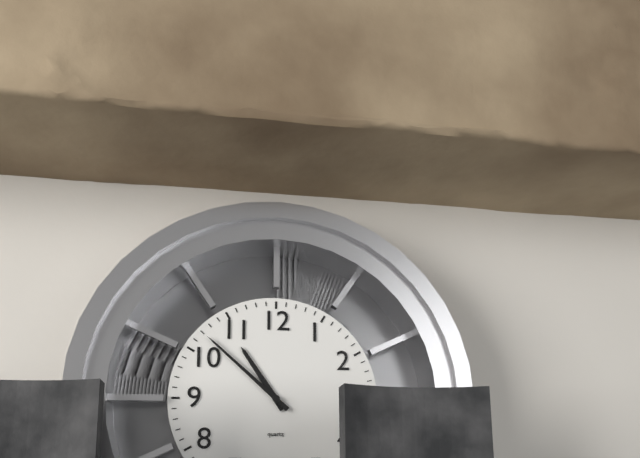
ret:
{"hour": 10, "minute": 52}
